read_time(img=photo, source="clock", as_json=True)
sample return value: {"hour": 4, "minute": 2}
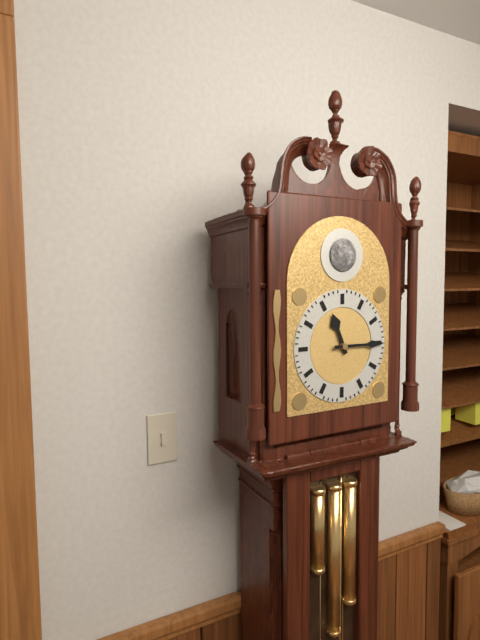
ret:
{"hour": 11, "minute": 15}
